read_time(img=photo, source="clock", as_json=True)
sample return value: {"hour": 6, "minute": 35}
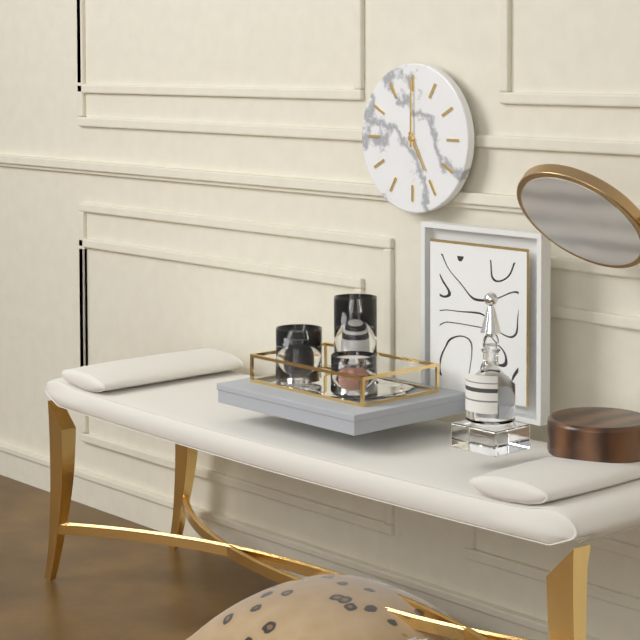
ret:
{"hour": 5, "minute": 0}
